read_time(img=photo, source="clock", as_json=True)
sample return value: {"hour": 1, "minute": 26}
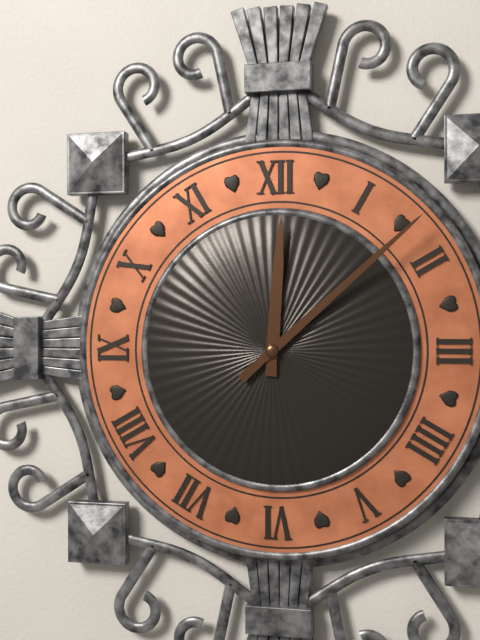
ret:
{"hour": 12, "minute": 8}
